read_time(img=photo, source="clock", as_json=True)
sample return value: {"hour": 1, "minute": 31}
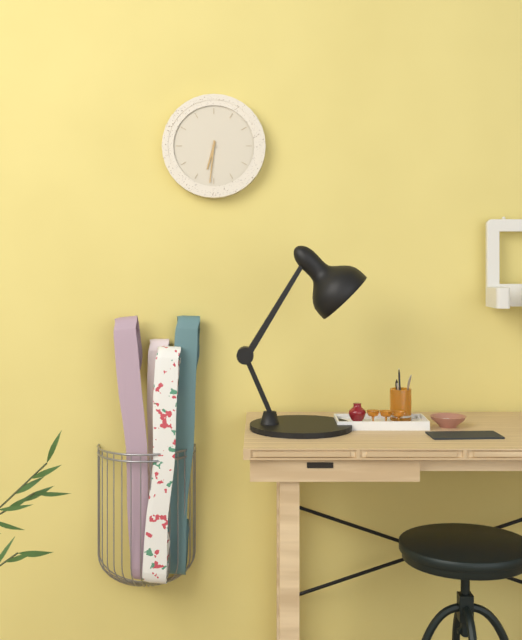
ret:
{"hour": 6, "minute": 31}
